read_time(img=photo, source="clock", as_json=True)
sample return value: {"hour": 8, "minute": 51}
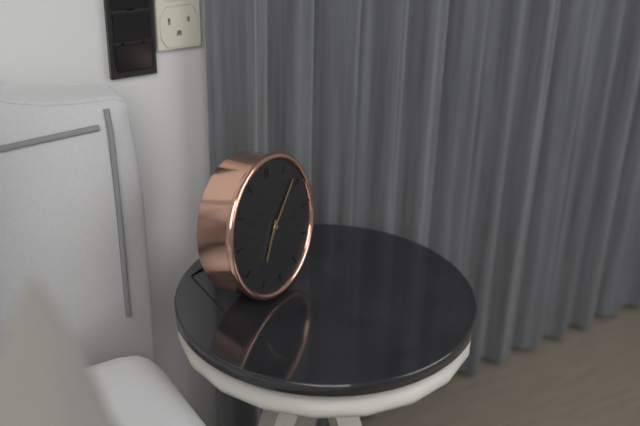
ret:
{"hour": 7, "minute": 8}
